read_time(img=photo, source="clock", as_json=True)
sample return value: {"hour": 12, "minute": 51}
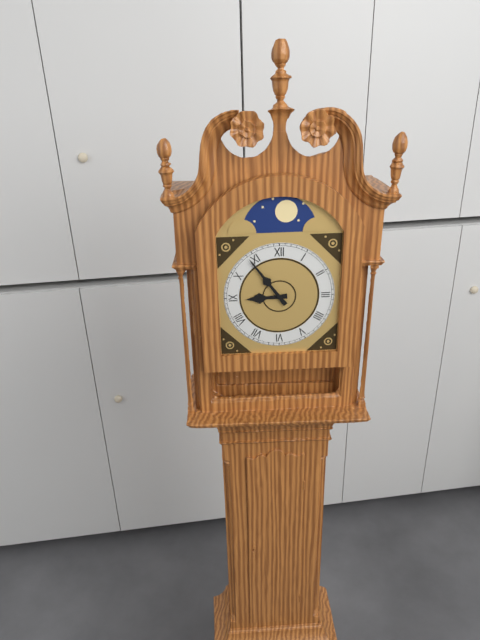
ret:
{"hour": 8, "minute": 54}
